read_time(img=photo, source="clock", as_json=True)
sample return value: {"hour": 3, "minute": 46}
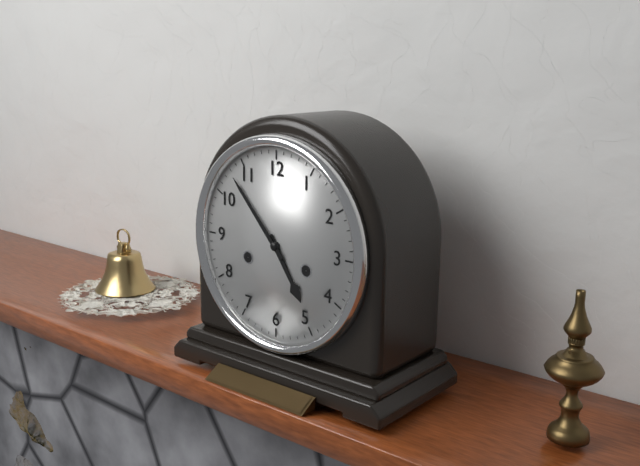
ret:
{"hour": 4, "minute": 53}
